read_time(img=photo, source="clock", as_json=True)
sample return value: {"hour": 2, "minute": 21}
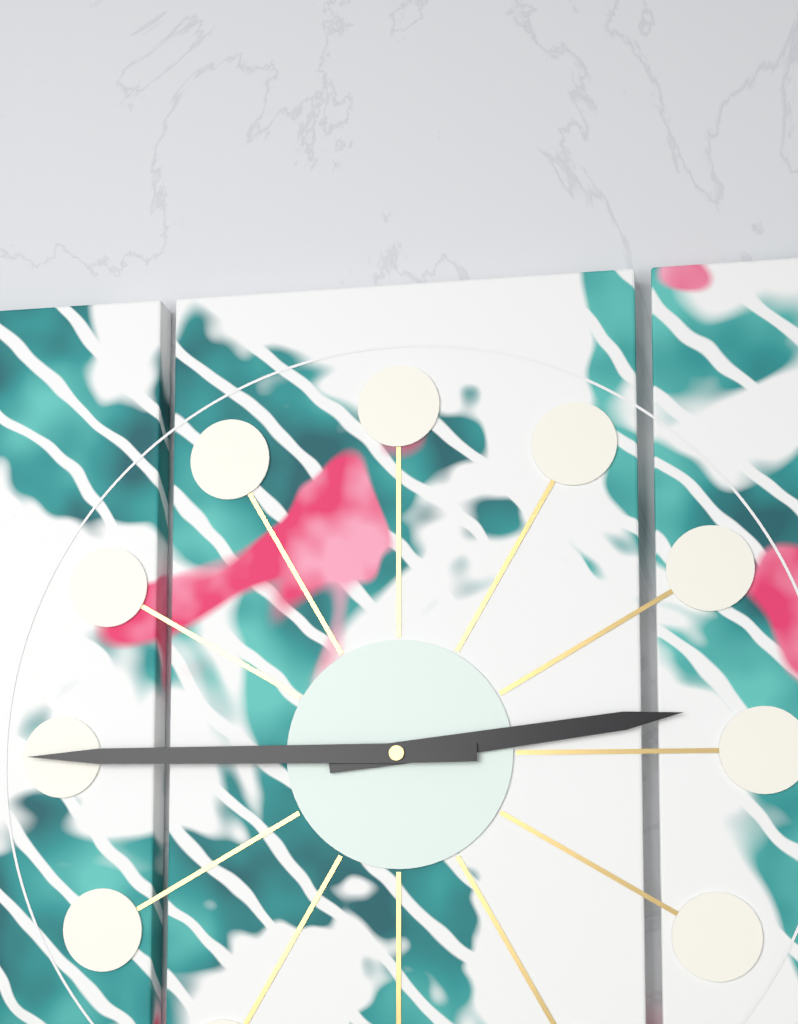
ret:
{"hour": 2, "minute": 45}
